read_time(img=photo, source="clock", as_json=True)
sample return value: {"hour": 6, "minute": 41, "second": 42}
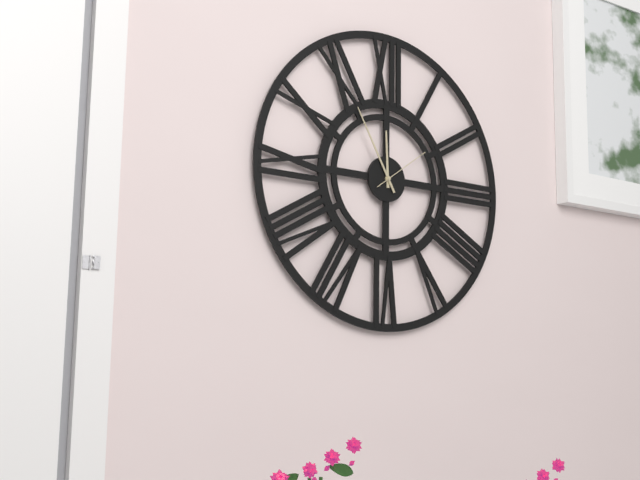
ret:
{"hour": 11, "minute": 55, "second": 9}
